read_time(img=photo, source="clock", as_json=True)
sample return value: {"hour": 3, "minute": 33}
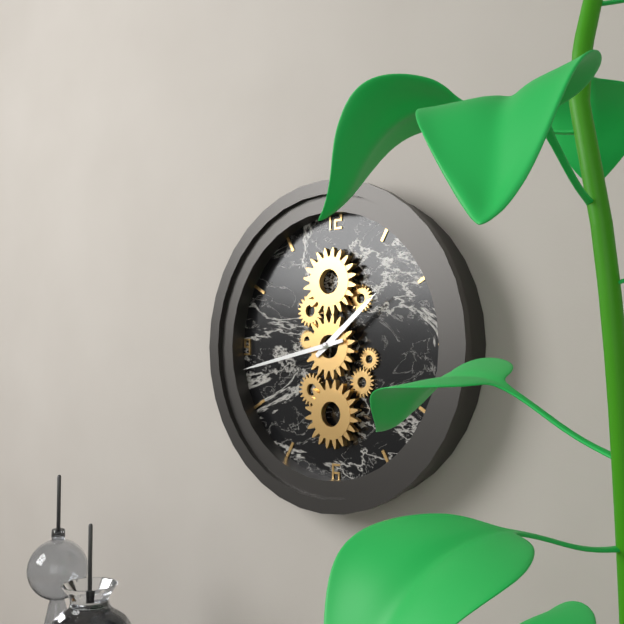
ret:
{"hour": 1, "minute": 43}
